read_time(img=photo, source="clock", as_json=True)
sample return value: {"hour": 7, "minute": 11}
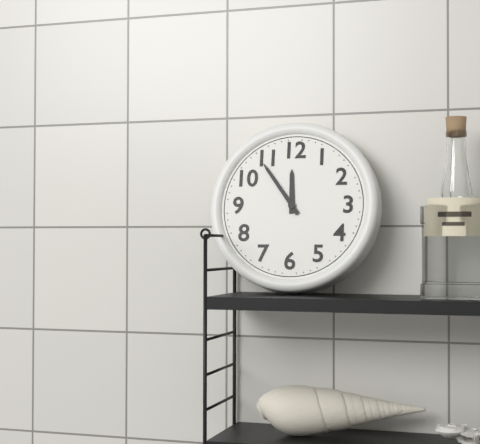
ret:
{"hour": 11, "minute": 54}
